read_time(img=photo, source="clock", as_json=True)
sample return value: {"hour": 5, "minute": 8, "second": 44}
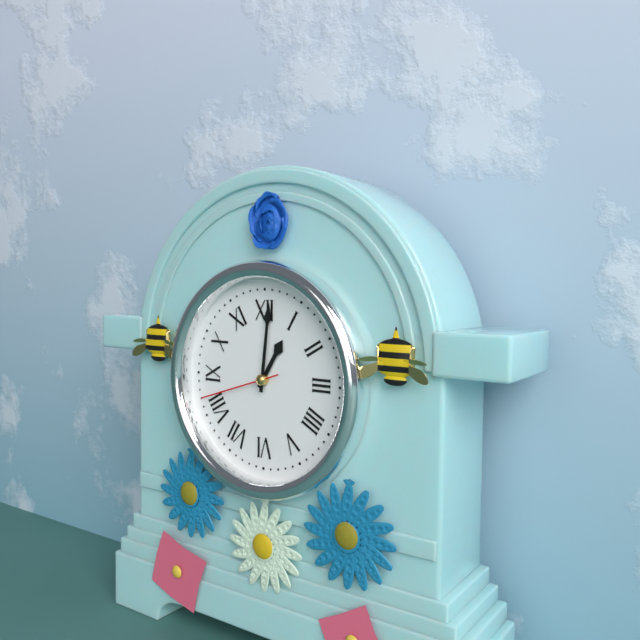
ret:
{"hour": 1, "minute": 1, "second": 42}
